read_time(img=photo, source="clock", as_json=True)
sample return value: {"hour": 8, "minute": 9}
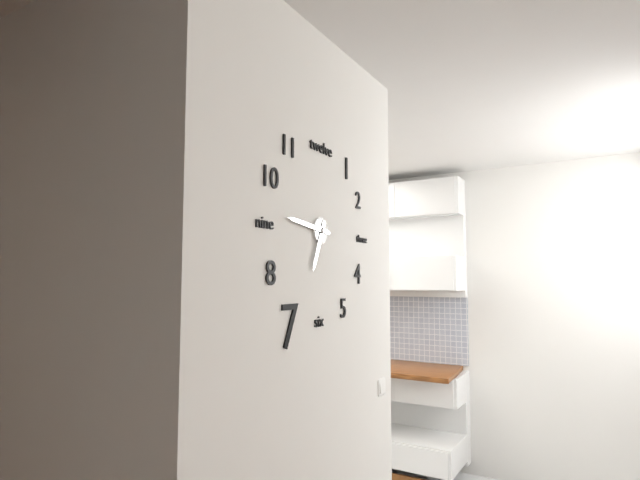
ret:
{"hour": 6, "minute": 46}
